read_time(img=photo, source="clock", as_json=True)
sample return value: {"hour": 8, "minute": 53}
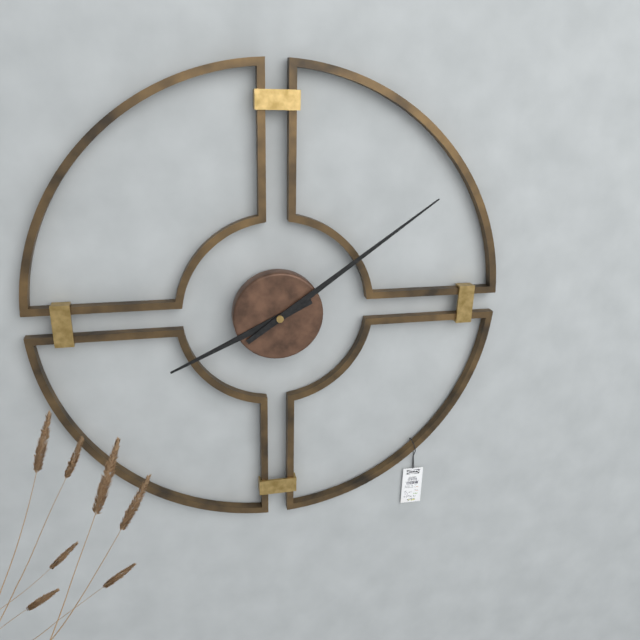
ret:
{"hour": 8, "minute": 9}
